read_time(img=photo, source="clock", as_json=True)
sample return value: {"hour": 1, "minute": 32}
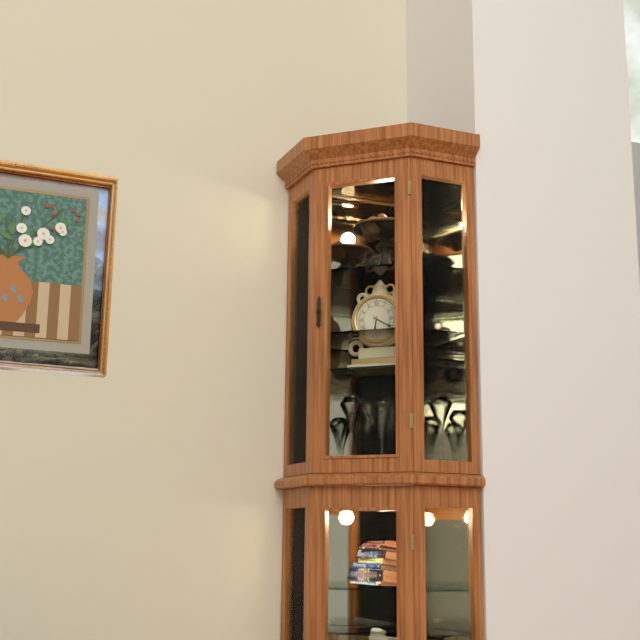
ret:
{"hour": 6, "minute": 20}
